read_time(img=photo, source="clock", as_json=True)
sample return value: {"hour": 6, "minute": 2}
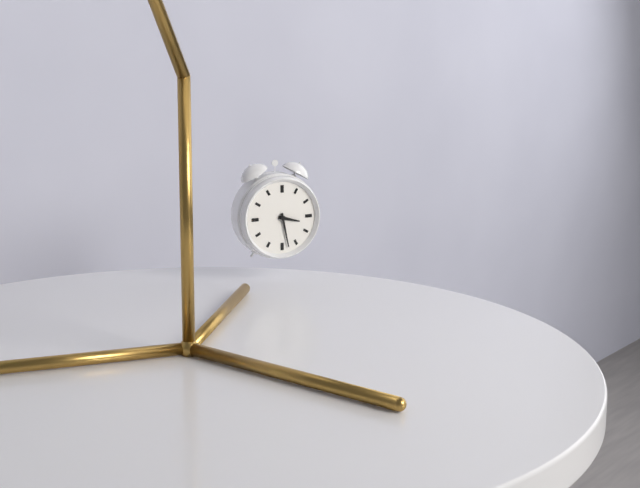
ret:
{"hour": 3, "minute": 28}
